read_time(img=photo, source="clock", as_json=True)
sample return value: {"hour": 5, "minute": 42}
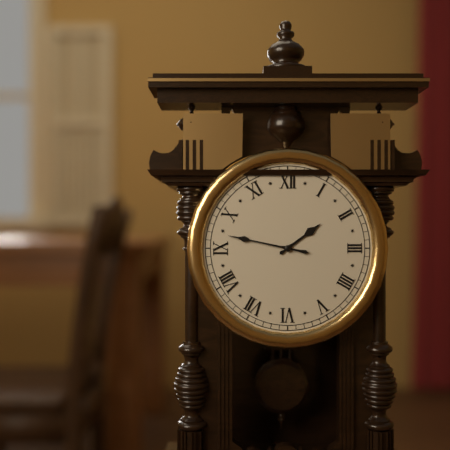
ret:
{"hour": 1, "minute": 47}
